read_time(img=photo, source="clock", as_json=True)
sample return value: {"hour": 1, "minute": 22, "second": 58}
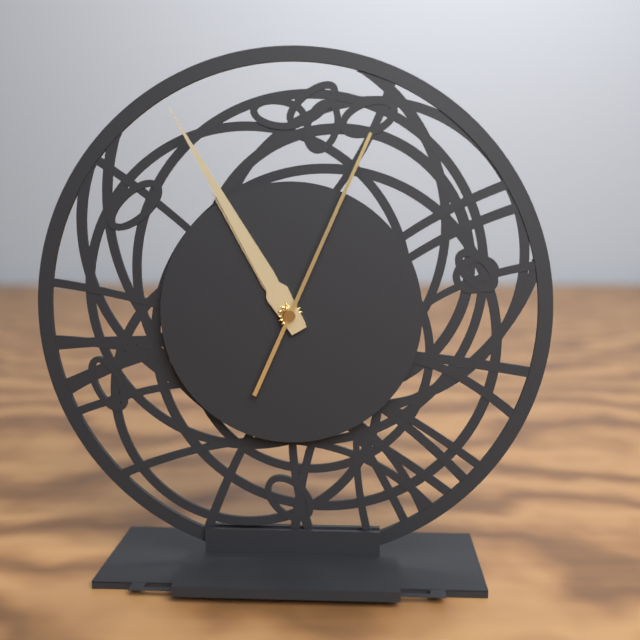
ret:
{"hour": 10, "minute": 55, "second": 4}
